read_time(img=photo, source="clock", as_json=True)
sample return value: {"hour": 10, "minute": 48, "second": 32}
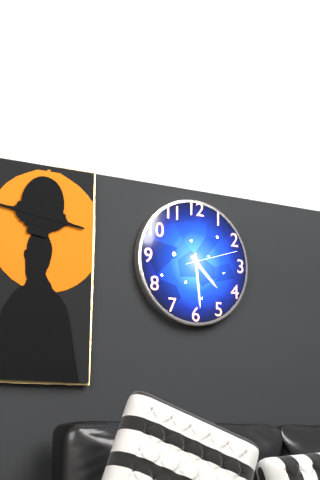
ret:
{"hour": 4, "minute": 29, "second": 12}
